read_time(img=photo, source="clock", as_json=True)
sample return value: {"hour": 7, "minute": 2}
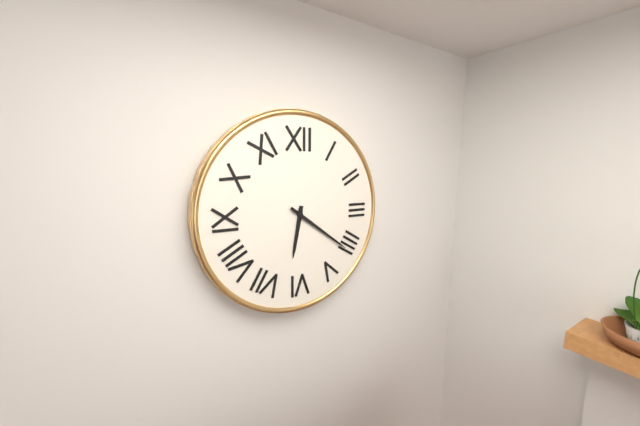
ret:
{"hour": 6, "minute": 21}
